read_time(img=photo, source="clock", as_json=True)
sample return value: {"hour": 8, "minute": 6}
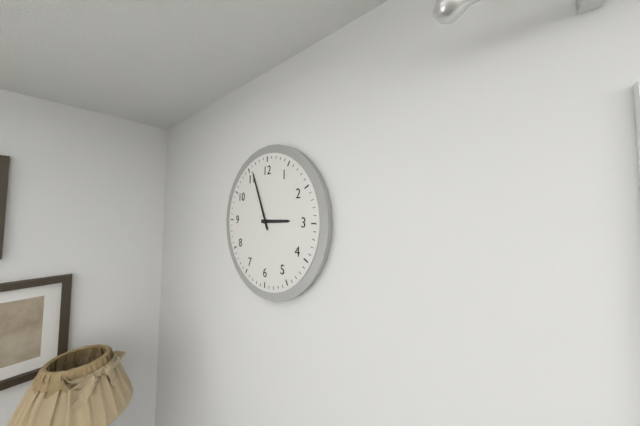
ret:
{"hour": 2, "minute": 56}
